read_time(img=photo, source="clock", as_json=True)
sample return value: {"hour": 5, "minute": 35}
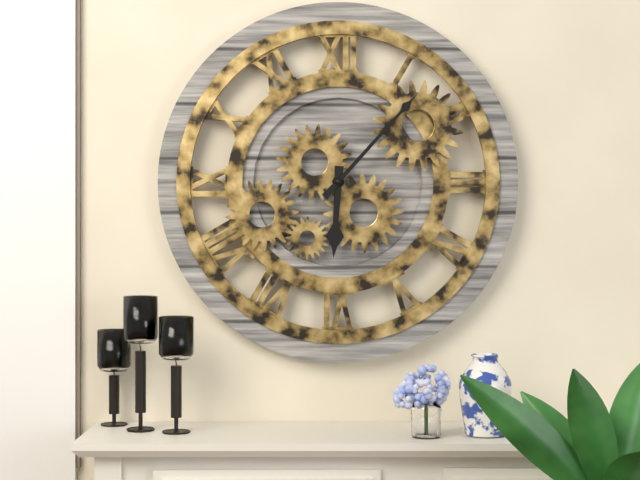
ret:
{"hour": 6, "minute": 7}
